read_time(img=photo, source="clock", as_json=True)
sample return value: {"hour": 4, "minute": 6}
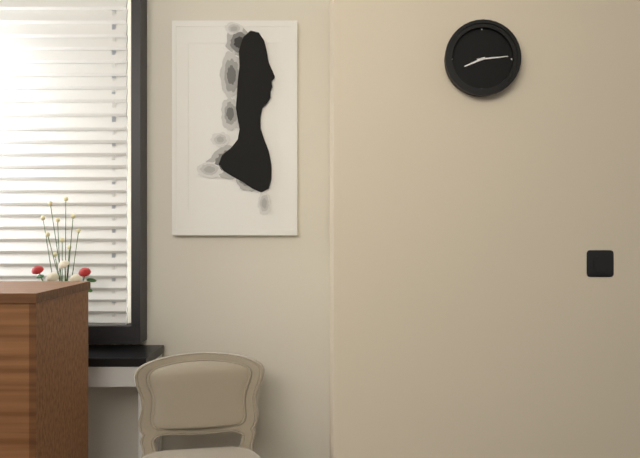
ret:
{"hour": 8, "minute": 14}
